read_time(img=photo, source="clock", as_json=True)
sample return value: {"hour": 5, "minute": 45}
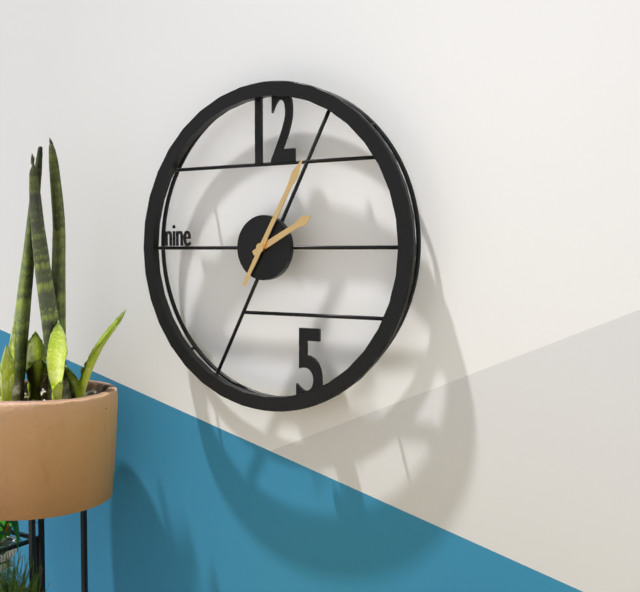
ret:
{"hour": 2, "minute": 5}
